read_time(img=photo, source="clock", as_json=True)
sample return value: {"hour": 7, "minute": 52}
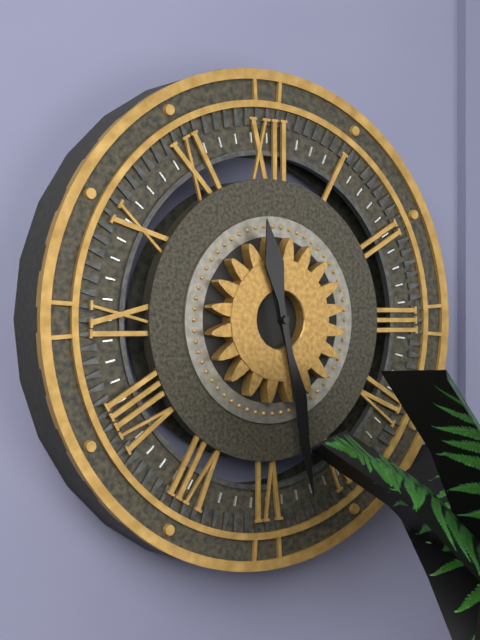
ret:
{"hour": 5, "minute": 28}
